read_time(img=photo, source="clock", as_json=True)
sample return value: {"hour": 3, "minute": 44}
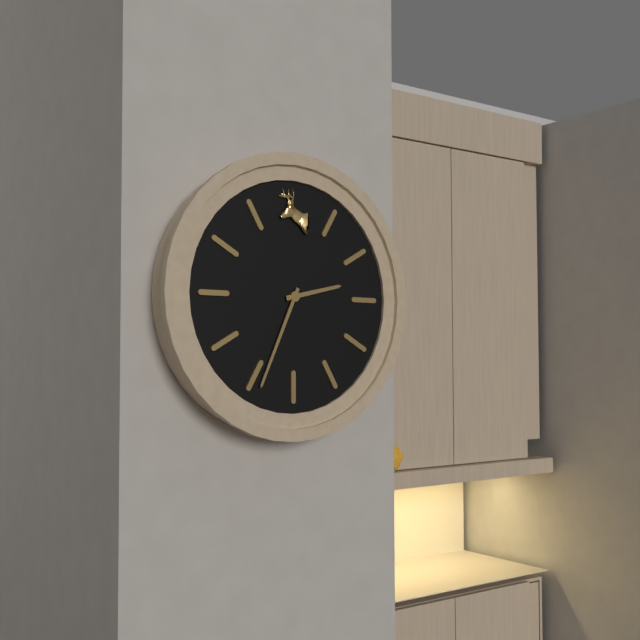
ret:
{"hour": 2, "minute": 34}
